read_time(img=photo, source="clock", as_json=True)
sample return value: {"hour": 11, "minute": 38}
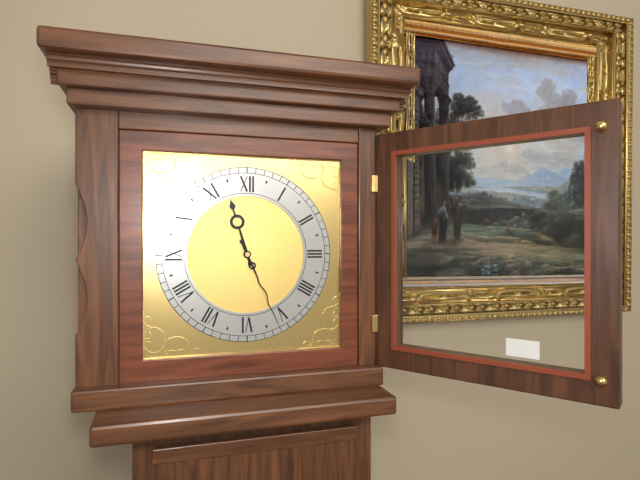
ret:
{"hour": 11, "minute": 26}
